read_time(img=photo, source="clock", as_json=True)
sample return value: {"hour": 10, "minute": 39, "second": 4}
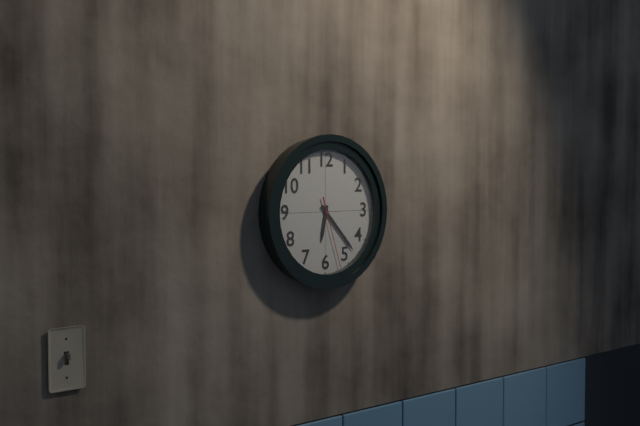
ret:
{"hour": 6, "minute": 23, "second": 27}
